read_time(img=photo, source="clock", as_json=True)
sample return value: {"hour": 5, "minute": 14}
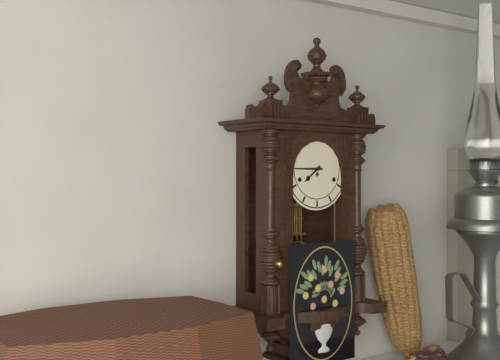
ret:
{"hour": 7, "minute": 45}
